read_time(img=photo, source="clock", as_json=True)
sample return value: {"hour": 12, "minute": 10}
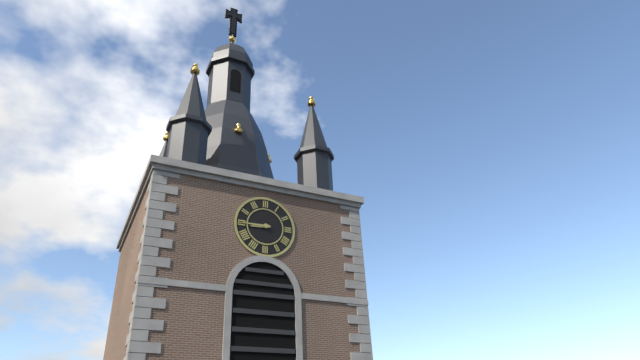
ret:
{"hour": 8, "minute": 45}
